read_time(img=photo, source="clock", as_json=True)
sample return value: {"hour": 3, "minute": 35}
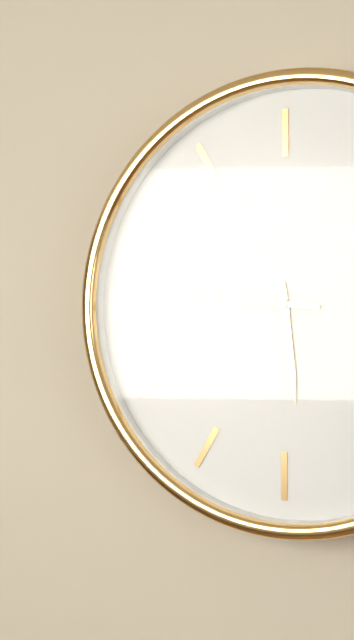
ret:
{"hour": 5, "minute": 46}
